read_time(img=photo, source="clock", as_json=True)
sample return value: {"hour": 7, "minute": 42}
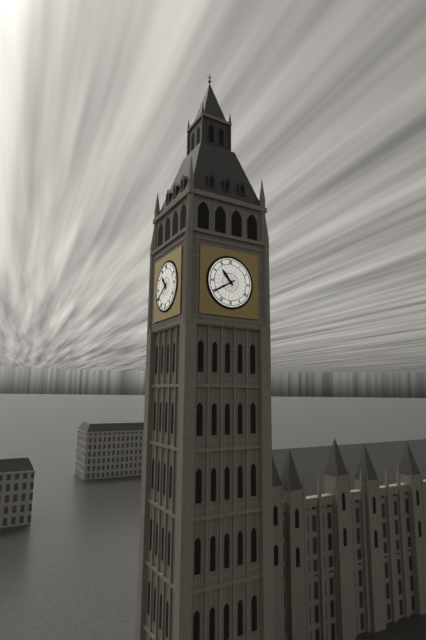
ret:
{"hour": 10, "minute": 40}
